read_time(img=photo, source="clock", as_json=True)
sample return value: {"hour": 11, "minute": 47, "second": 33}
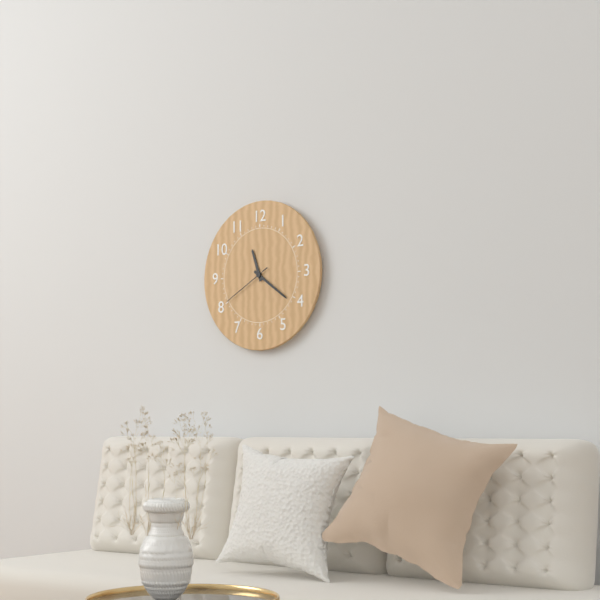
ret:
{"hour": 11, "minute": 21, "second": 40}
